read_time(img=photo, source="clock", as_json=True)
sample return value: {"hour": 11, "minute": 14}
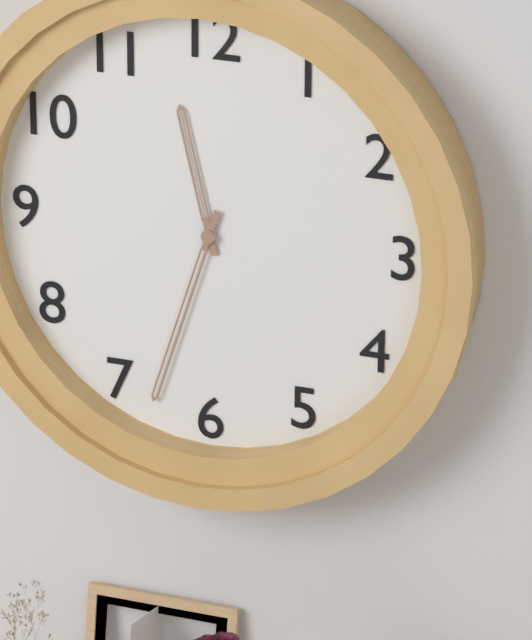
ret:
{"hour": 11, "minute": 33}
